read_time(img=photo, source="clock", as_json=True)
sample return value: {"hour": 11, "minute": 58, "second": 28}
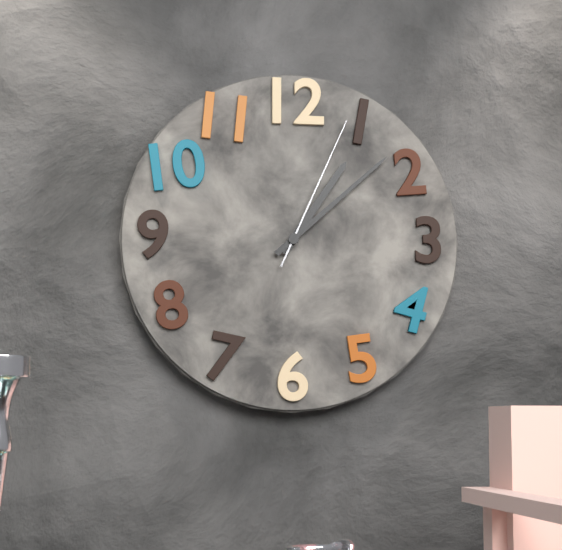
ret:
{"hour": 1, "minute": 8, "second": 4}
